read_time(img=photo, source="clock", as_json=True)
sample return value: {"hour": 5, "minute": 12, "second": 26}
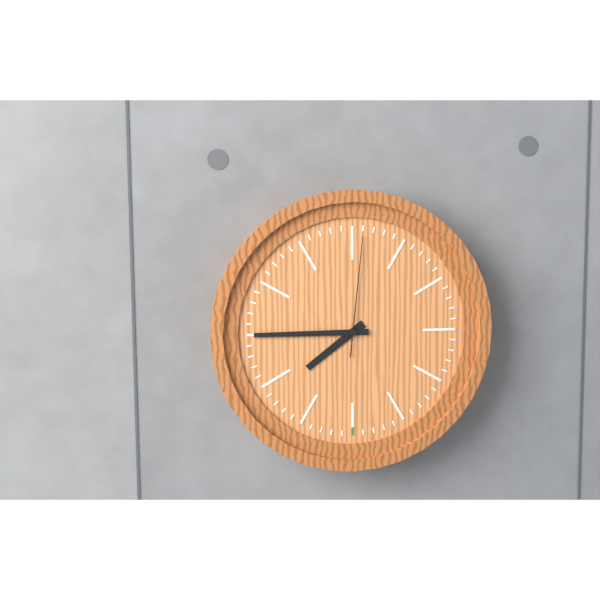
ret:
{"hour": 7, "minute": 45, "second": 1}
